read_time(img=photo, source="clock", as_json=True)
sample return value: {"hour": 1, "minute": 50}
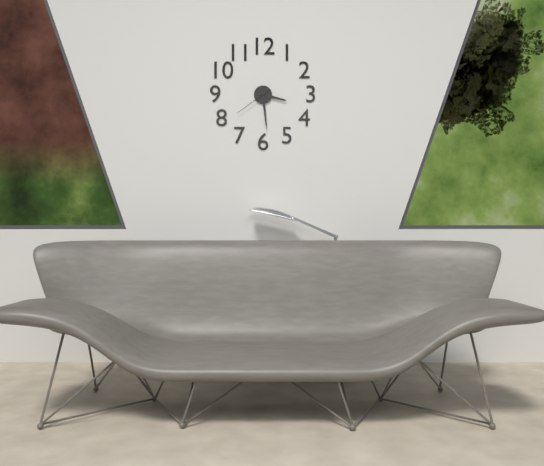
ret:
{"hour": 3, "minute": 29}
